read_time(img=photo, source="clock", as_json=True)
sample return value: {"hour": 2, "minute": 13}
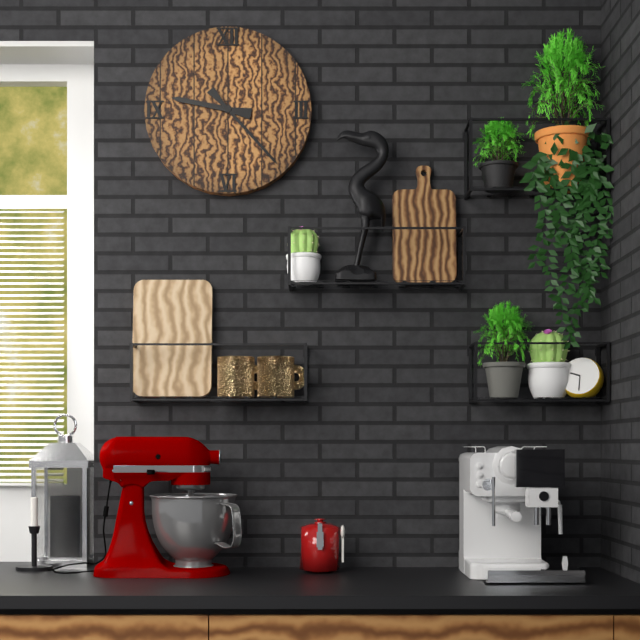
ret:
{"hour": 9, "minute": 23}
